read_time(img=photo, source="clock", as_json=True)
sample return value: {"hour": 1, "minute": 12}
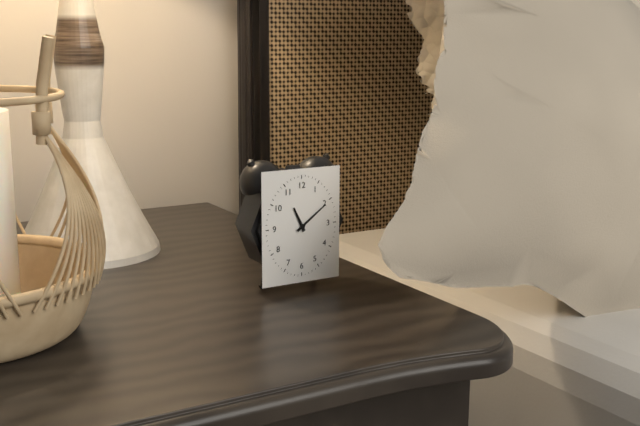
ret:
{"hour": 11, "minute": 9}
